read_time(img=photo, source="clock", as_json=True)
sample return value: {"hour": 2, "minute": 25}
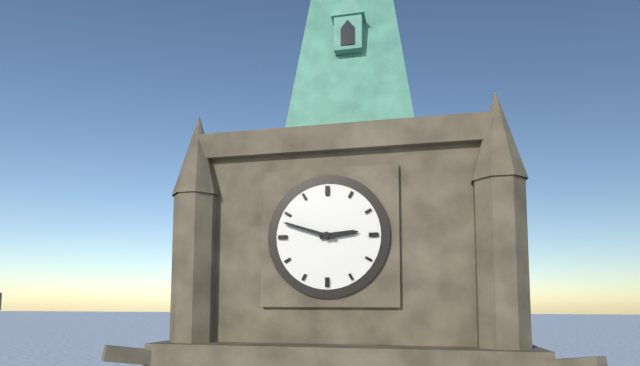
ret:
{"hour": 2, "minute": 48}
